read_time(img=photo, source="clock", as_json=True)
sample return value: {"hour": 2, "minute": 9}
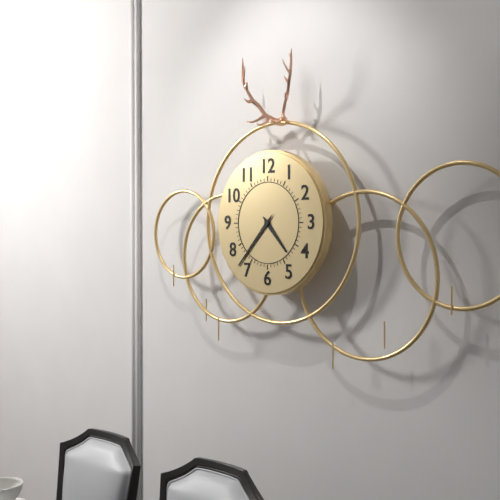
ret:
{"hour": 4, "minute": 37}
